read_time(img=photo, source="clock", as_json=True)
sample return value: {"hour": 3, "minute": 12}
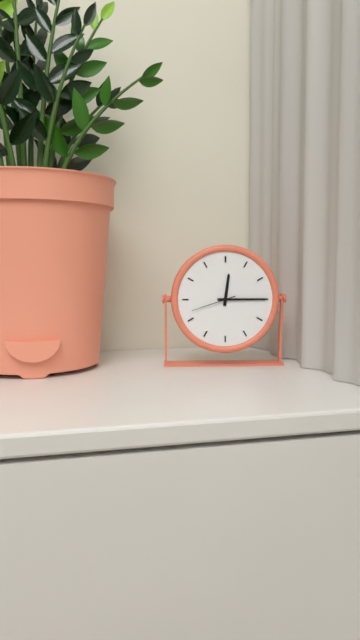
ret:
{"hour": 12, "minute": 15}
